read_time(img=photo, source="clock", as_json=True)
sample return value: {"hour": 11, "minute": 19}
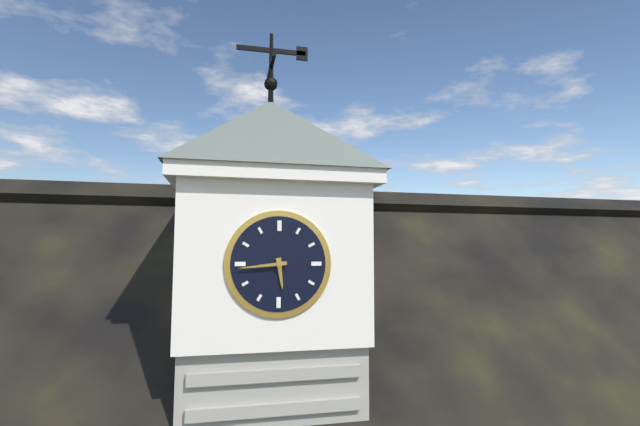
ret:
{"hour": 5, "minute": 44}
